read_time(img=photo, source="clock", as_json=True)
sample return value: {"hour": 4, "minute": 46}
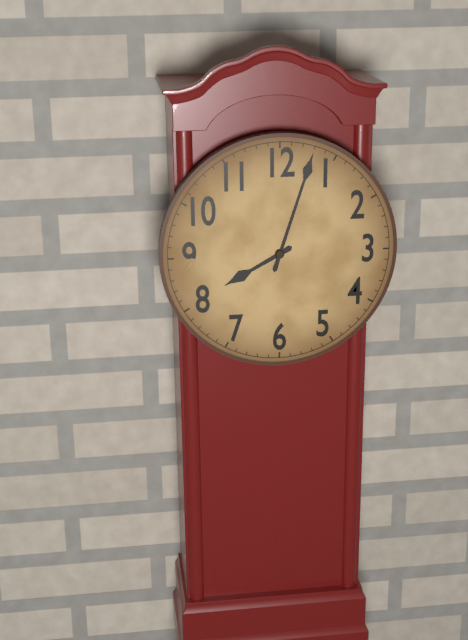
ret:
{"hour": 8, "minute": 3}
